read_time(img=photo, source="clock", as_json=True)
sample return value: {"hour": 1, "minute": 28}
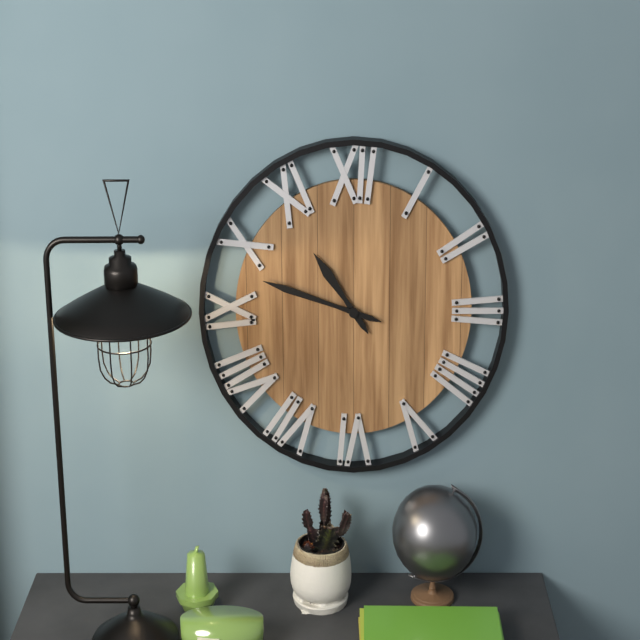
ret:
{"hour": 10, "minute": 48}
